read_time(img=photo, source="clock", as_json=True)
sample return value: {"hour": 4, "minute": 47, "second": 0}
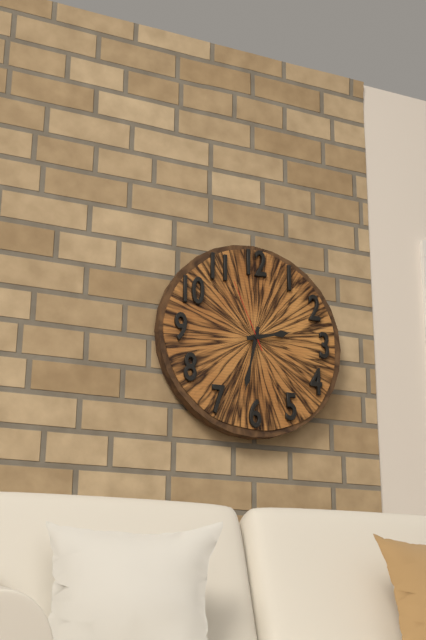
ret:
{"hour": 2, "minute": 32, "second": 56}
